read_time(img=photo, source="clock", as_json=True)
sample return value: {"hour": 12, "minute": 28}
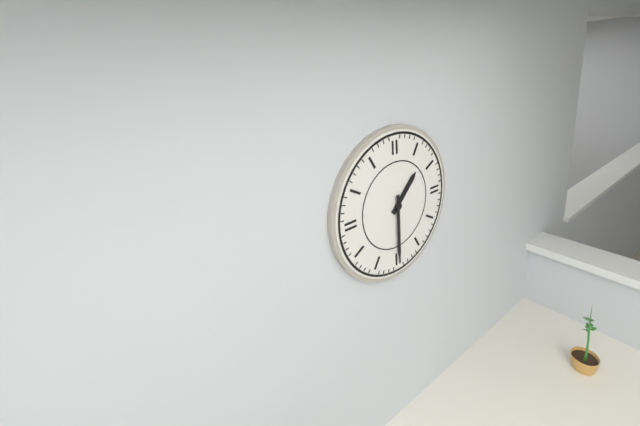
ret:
{"hour": 1, "minute": 30}
